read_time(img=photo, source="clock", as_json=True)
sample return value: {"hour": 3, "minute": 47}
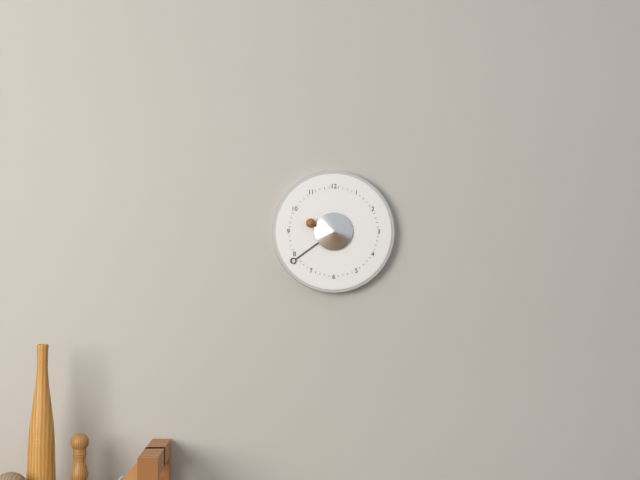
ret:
{"hour": 9, "minute": 39}
